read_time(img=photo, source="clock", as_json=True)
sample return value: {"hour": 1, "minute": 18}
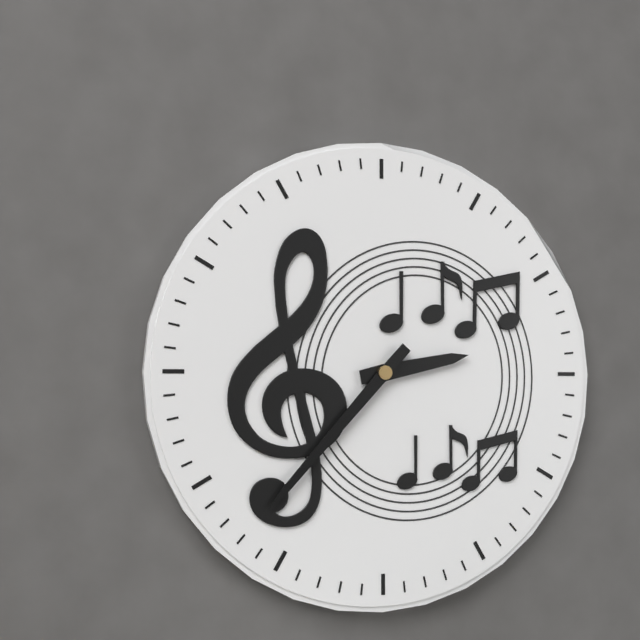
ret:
{"hour": 2, "minute": 37}
